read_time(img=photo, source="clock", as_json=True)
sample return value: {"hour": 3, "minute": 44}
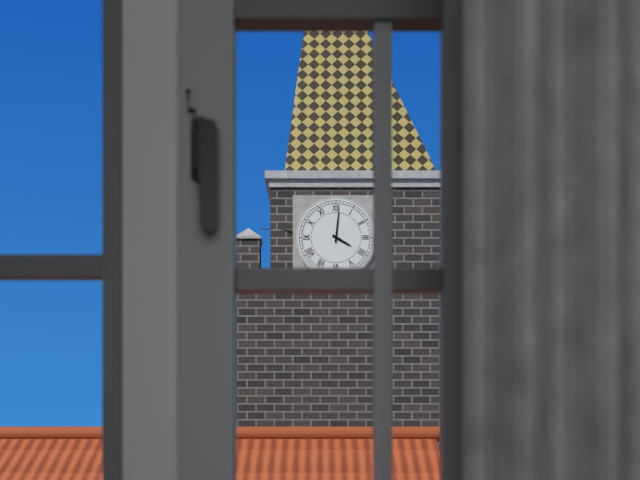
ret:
{"hour": 4, "minute": 1}
